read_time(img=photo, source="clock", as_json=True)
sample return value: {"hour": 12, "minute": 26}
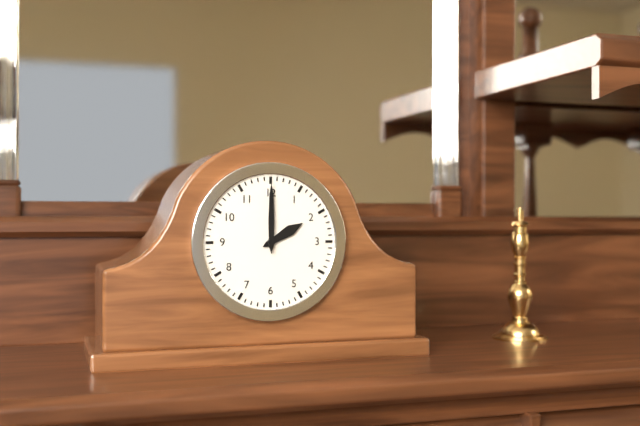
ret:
{"hour": 2, "minute": 0}
